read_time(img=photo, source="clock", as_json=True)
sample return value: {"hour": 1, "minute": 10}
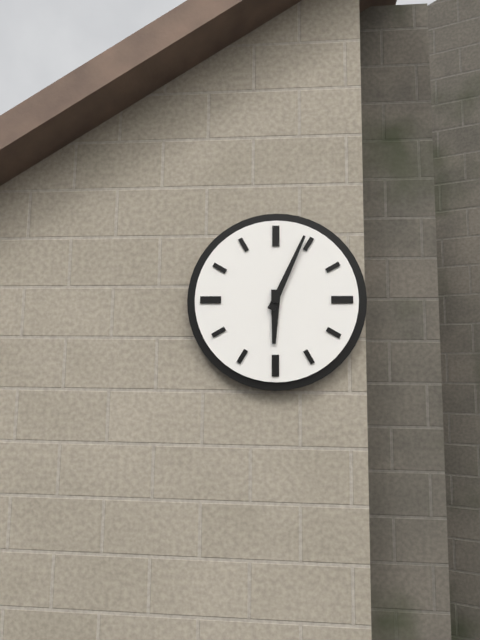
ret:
{"hour": 6, "minute": 4}
